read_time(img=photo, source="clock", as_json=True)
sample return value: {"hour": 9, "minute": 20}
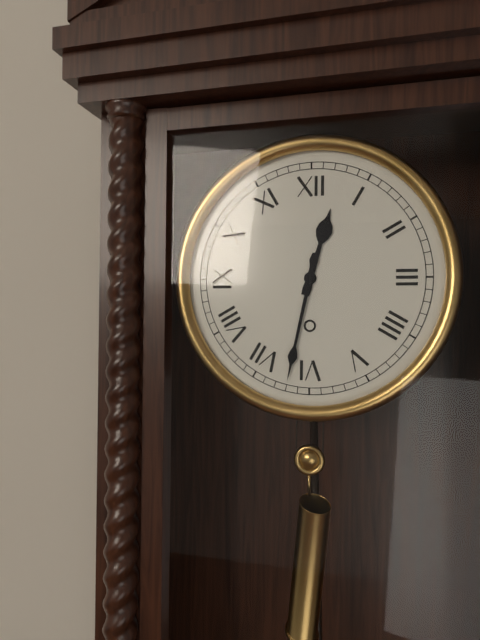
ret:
{"hour": 12, "minute": 32}
